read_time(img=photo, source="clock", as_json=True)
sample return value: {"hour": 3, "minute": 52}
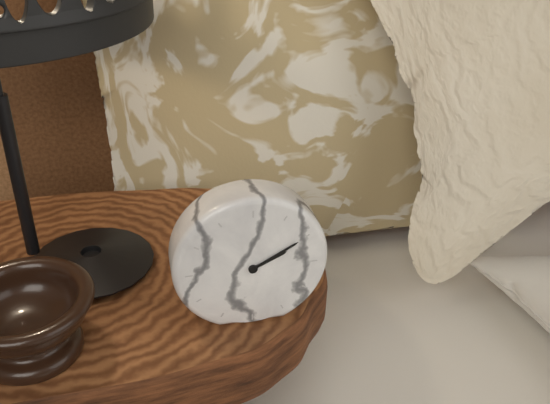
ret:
{"hour": 2, "minute": 10}
